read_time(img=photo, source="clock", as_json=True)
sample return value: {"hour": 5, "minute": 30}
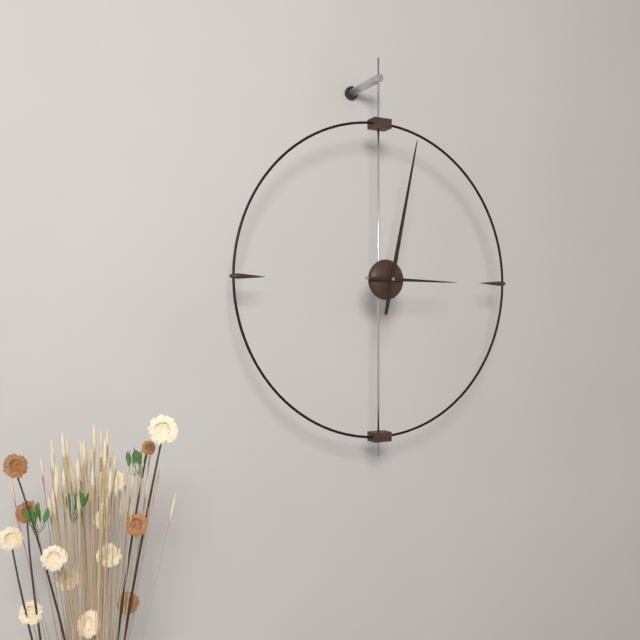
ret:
{"hour": 3, "minute": 2}
